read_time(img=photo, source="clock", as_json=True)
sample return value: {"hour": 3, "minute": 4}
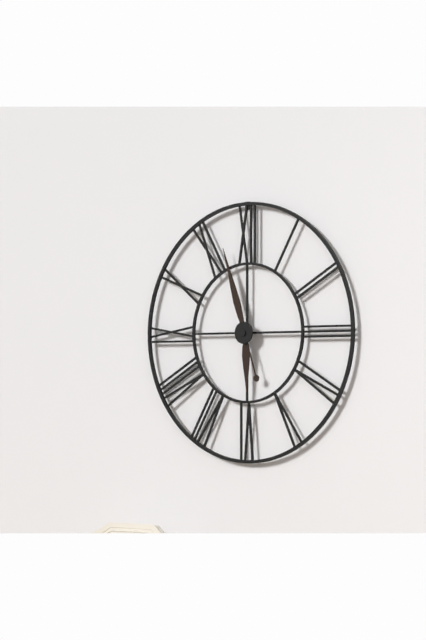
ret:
{"hour": 5, "minute": 57}
